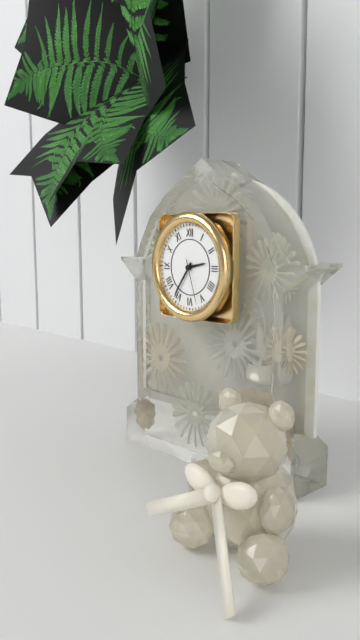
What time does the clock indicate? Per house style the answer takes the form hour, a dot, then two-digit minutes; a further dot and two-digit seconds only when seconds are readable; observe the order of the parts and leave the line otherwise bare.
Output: 2.36
